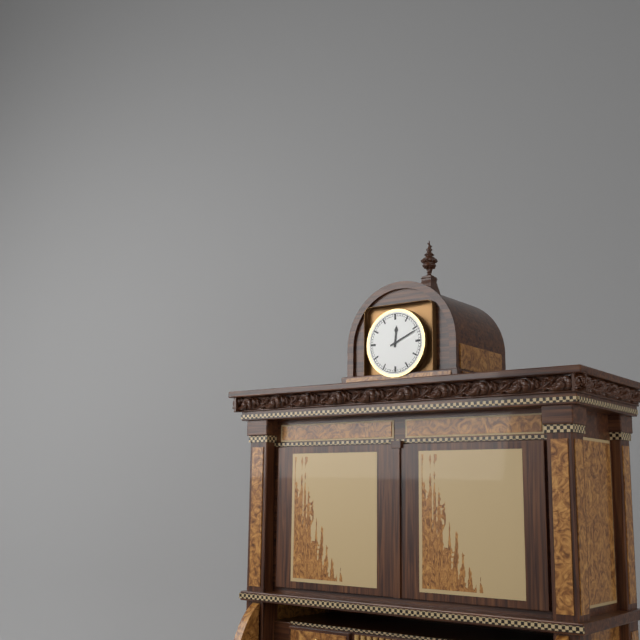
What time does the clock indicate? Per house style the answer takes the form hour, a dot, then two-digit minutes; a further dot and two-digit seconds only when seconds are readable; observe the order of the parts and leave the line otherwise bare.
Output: 12.11
